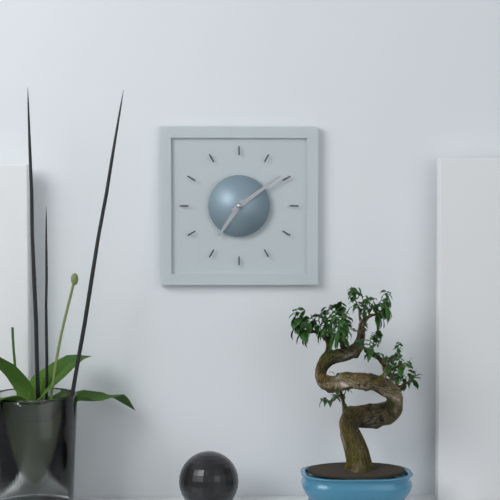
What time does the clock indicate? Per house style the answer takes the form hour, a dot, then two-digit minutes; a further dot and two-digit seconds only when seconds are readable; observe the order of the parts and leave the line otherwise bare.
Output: 7.09
